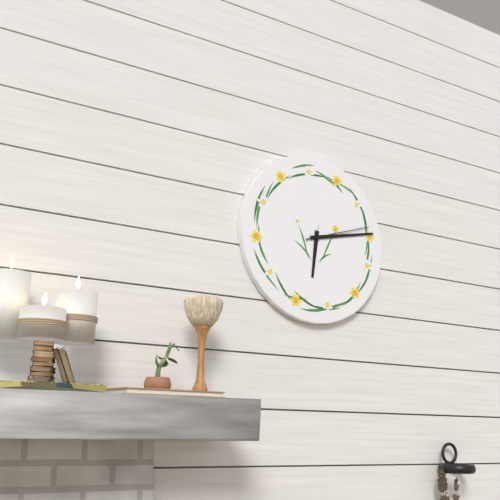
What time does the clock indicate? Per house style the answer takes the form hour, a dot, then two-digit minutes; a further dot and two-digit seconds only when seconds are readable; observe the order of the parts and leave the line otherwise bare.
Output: 6.13.12
